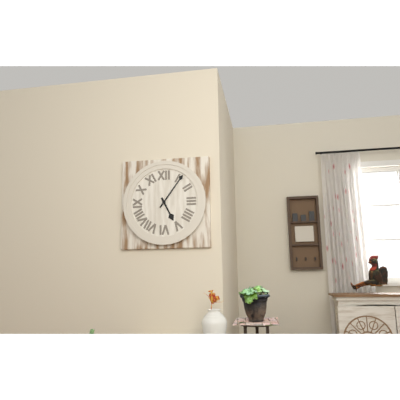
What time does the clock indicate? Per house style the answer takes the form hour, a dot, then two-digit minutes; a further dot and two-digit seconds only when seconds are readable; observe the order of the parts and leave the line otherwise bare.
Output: 5.06
